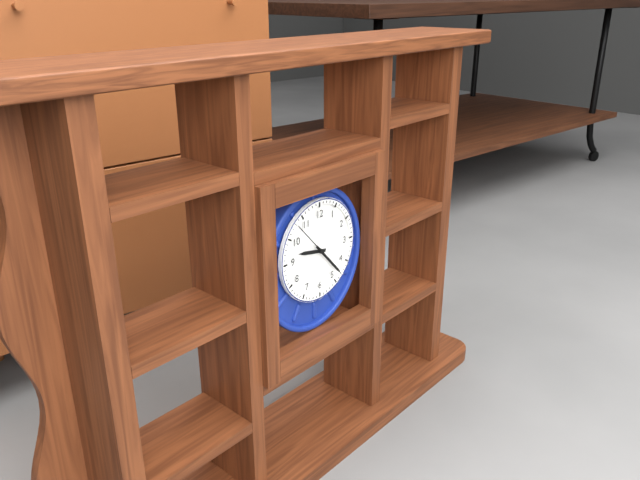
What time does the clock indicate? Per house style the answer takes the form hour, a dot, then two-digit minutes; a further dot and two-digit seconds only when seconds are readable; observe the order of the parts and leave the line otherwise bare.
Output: 9.23
